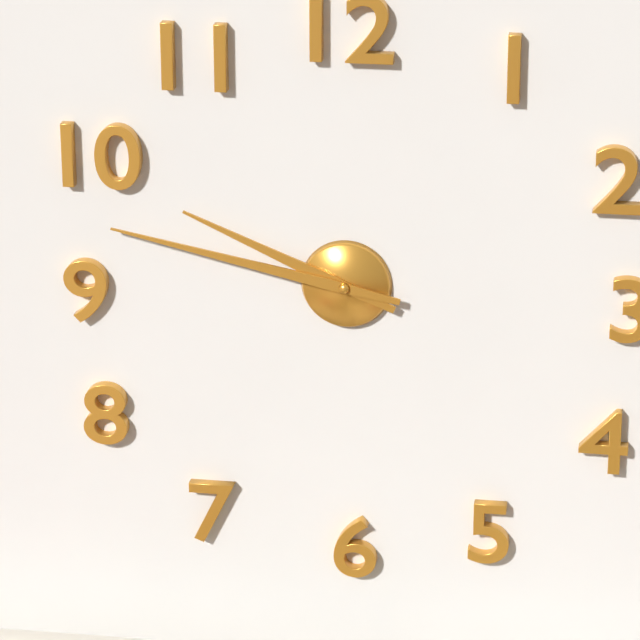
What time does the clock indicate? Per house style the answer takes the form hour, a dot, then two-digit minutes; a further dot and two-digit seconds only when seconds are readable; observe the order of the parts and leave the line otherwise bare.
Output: 9.47
